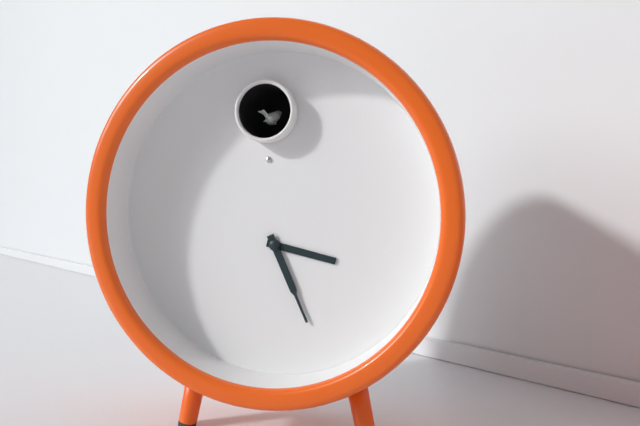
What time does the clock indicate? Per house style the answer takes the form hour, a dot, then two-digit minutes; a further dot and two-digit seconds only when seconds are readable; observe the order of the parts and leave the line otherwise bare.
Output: 3.26
